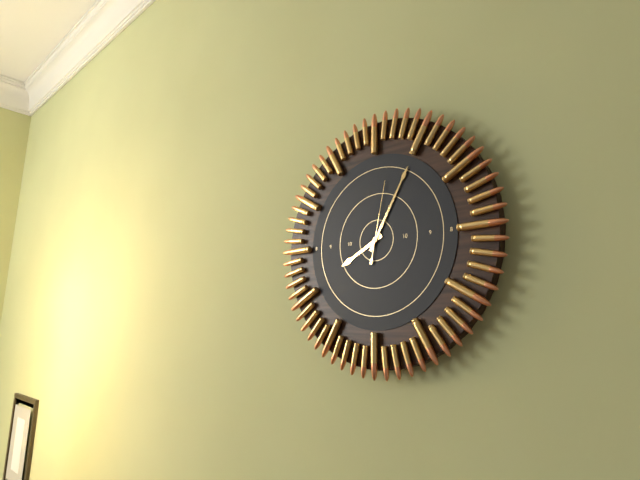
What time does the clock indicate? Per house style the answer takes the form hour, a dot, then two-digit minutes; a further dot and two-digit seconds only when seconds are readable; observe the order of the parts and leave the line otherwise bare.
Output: 8.05.02
